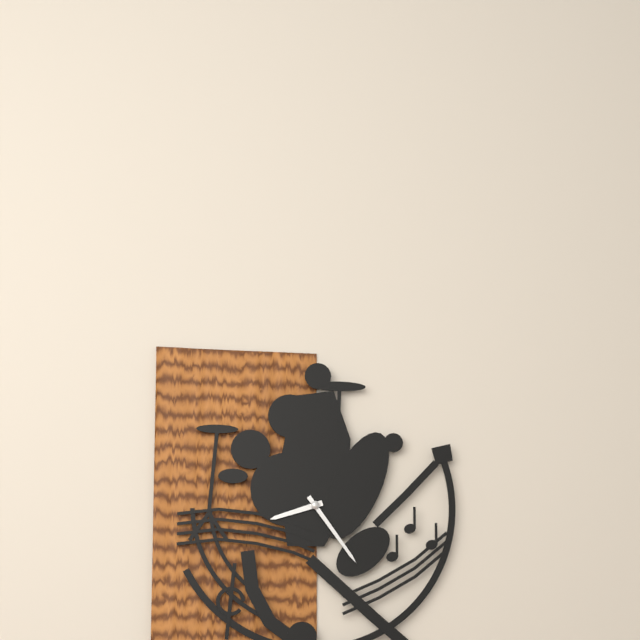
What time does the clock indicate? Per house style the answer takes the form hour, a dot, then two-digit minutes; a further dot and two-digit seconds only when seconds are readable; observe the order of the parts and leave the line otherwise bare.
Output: 8.24
